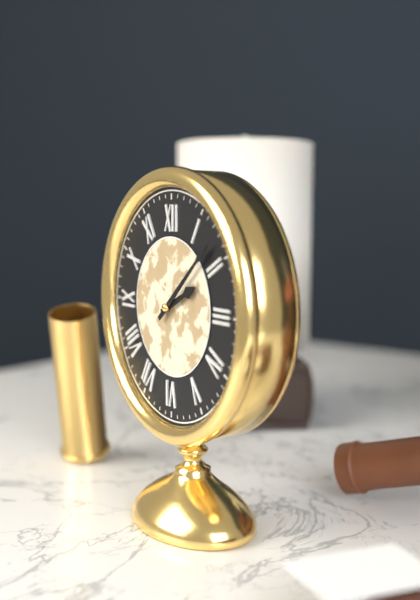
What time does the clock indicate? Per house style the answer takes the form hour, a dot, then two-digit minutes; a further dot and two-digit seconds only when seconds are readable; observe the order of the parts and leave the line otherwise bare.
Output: 2.08
